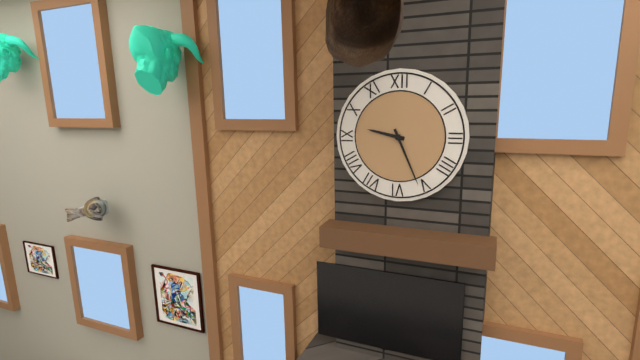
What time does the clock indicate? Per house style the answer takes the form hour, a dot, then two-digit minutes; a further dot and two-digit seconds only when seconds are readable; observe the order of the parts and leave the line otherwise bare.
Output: 9.26
